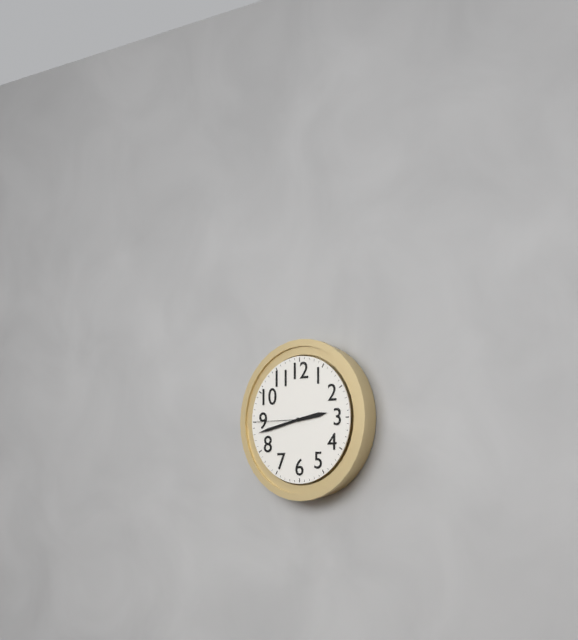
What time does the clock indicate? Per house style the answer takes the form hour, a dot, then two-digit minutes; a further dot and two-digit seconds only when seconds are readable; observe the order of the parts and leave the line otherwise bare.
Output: 2.43.45
